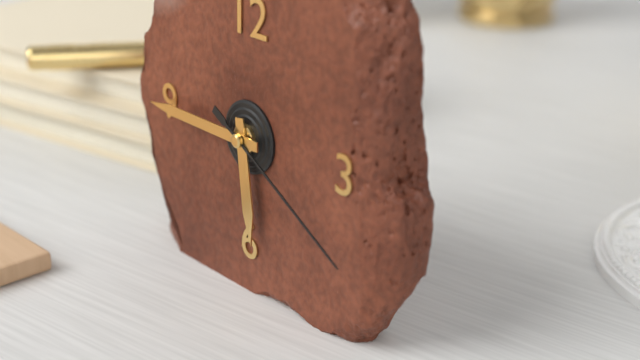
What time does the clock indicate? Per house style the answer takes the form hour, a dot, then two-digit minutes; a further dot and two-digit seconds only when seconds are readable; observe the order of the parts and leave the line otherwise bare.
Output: 5.45.20
